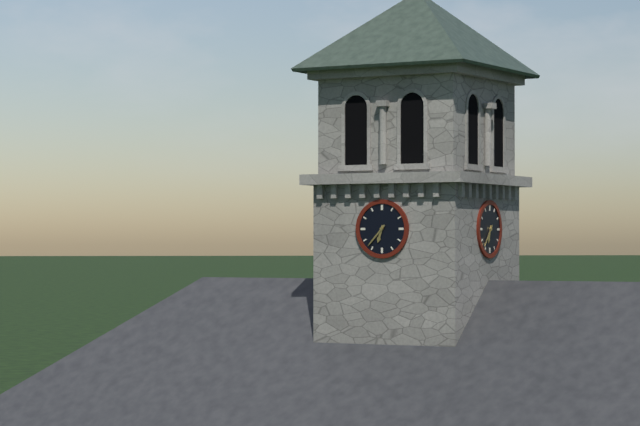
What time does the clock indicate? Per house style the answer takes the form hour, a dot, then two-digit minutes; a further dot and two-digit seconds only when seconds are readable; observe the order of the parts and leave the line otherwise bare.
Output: 6.37
